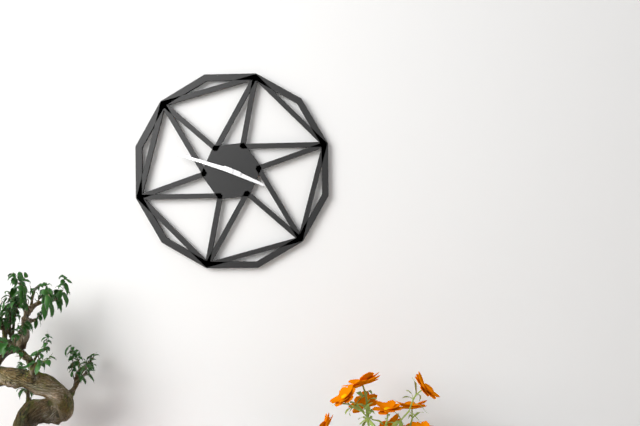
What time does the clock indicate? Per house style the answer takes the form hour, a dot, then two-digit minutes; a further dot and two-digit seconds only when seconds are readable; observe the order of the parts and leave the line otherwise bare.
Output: 3.48
